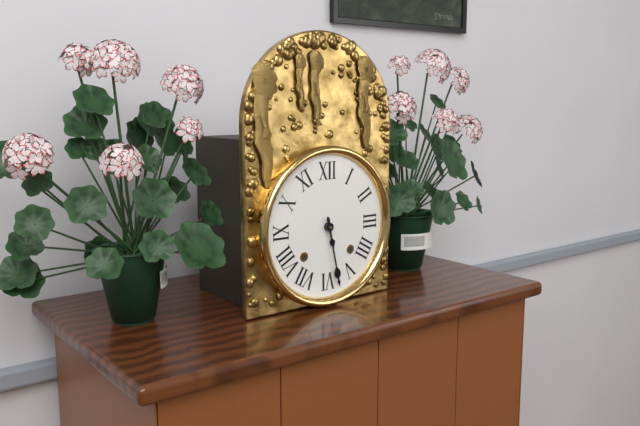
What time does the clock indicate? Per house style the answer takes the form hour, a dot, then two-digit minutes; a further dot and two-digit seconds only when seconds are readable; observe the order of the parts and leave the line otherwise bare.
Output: 5.28
